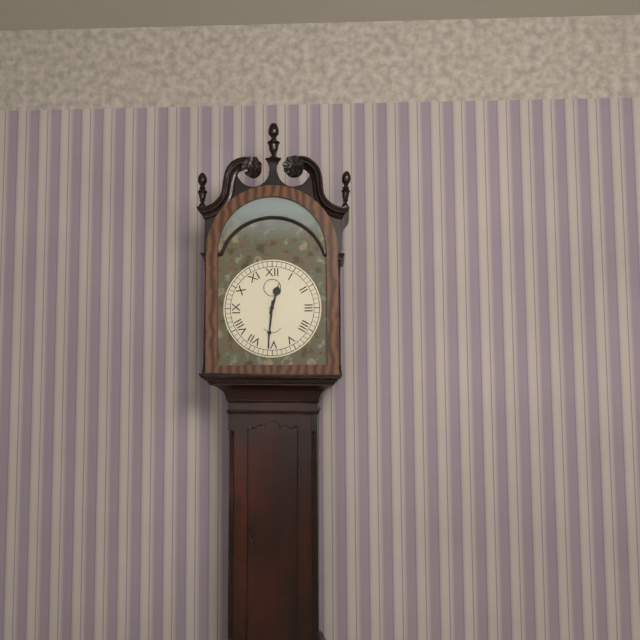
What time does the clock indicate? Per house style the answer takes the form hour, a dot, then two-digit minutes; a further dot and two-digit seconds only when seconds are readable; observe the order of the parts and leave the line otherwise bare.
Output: 12.31
